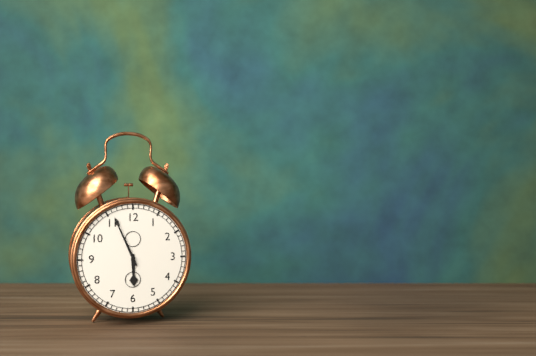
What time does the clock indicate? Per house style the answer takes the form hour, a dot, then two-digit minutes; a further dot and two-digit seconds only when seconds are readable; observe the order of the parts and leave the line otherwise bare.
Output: 5.56
